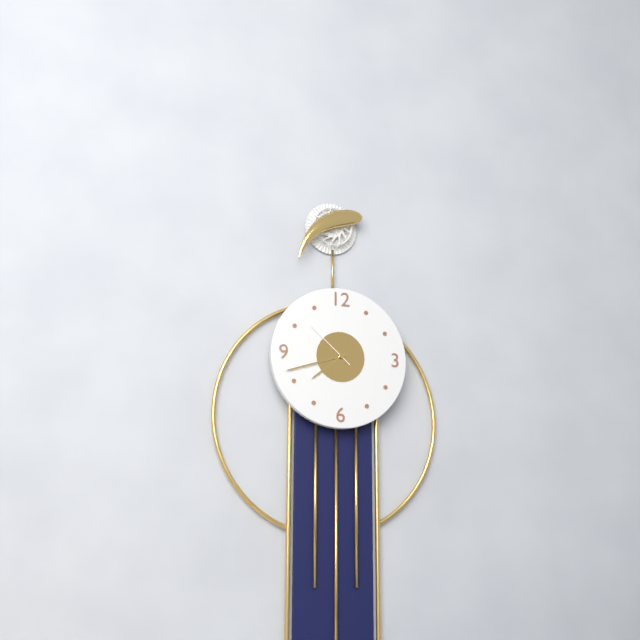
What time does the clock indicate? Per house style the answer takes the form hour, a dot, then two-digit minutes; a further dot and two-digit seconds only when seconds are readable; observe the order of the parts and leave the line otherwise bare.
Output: 7.42.52
